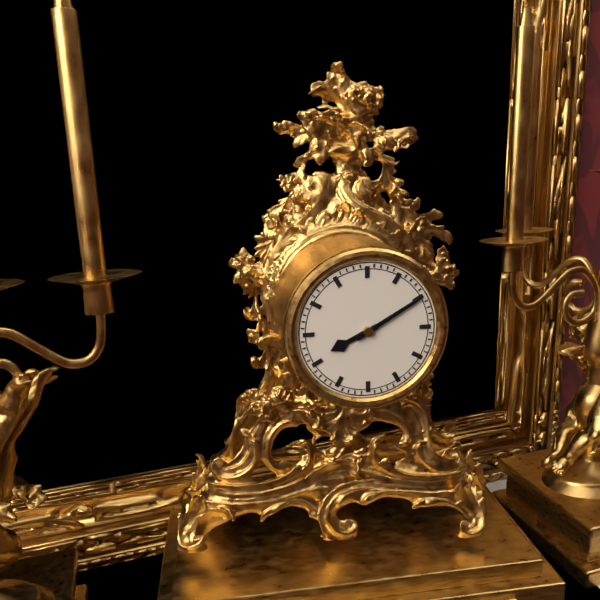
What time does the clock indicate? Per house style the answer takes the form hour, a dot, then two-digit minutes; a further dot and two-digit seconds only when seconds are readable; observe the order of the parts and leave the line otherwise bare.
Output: 8.10
